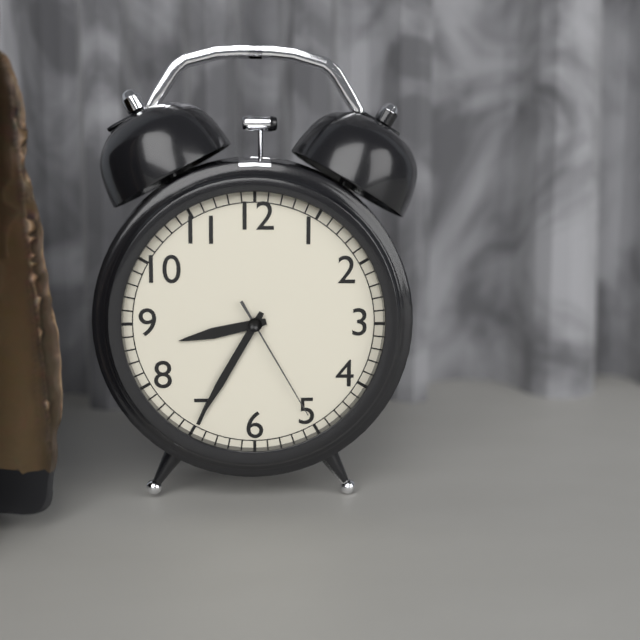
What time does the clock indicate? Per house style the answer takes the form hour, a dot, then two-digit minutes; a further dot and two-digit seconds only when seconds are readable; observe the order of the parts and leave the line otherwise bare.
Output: 8.35.25
